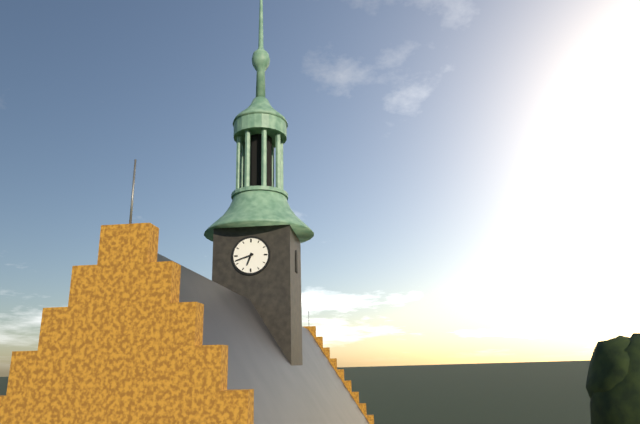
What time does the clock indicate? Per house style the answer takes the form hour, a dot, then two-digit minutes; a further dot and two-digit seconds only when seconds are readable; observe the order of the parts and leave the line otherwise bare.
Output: 6.42
